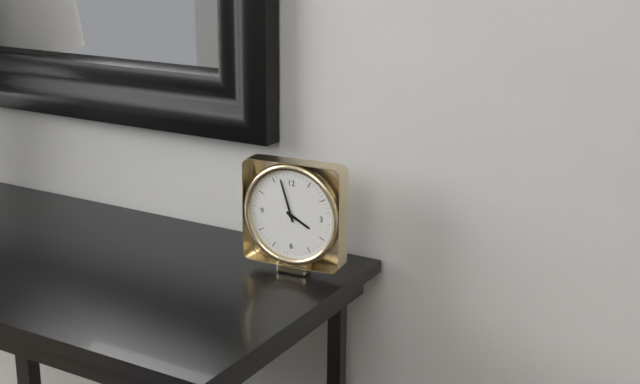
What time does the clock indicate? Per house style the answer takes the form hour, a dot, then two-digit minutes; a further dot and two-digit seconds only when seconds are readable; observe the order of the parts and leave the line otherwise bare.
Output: 3.57
